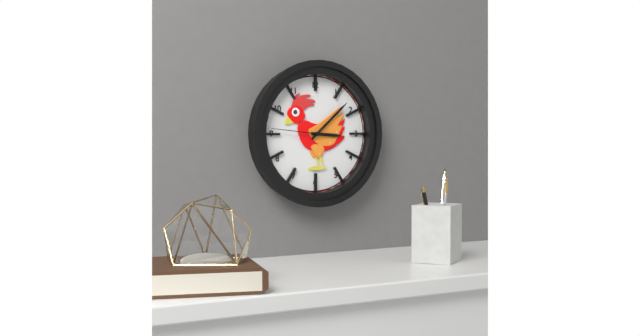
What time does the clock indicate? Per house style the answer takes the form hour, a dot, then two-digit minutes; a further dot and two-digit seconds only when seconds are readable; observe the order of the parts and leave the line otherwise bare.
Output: 3.08.46
